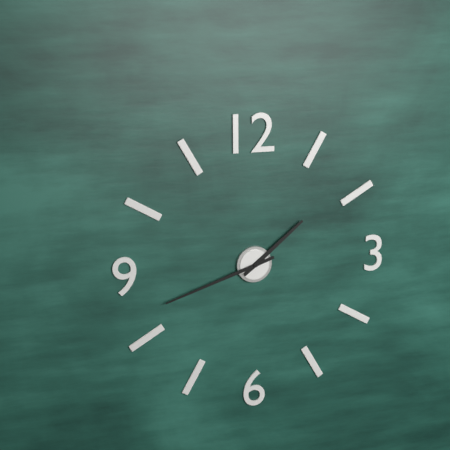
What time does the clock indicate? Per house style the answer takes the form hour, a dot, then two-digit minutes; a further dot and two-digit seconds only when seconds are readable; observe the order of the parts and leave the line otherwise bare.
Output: 1.42
